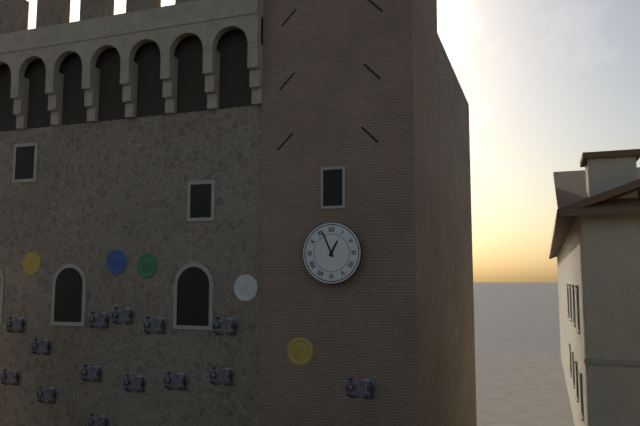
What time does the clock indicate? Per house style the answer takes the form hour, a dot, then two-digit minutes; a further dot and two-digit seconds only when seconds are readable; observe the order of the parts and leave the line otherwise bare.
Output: 12.56
